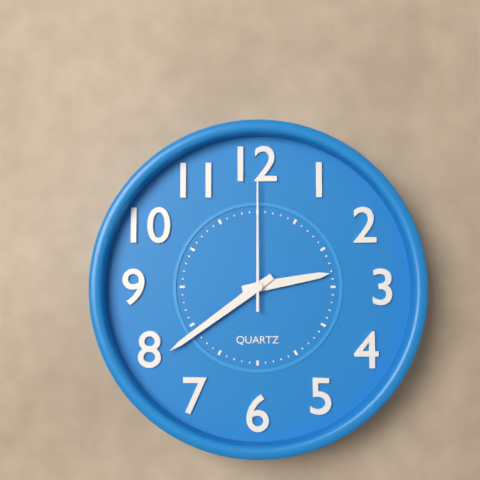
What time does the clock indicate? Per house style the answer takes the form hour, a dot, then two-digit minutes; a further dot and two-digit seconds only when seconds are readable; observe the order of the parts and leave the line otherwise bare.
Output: 2.39.00
